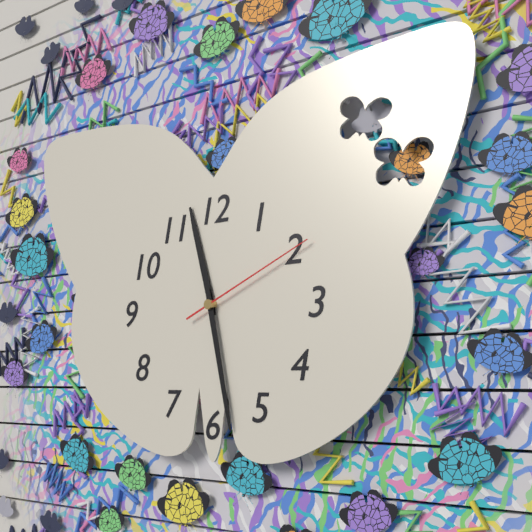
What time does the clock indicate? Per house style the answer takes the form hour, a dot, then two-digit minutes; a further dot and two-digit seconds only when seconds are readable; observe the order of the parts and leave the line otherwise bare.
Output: 11.28.11
